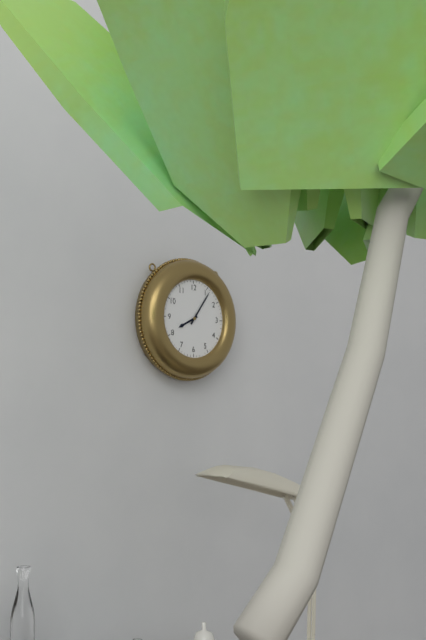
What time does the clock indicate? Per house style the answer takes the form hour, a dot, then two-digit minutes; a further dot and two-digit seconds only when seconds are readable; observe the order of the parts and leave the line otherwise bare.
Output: 8.06
